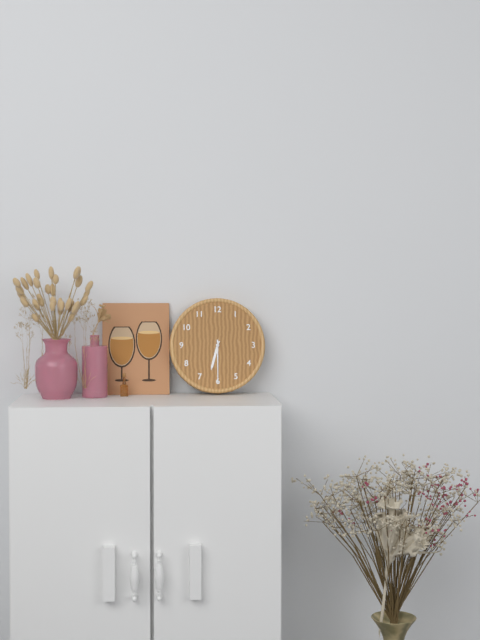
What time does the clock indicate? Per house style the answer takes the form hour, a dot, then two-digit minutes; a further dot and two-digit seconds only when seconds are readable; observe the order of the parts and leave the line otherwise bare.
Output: 6.30
